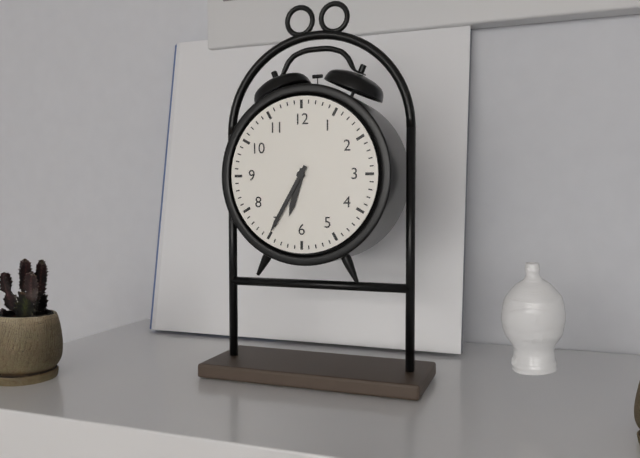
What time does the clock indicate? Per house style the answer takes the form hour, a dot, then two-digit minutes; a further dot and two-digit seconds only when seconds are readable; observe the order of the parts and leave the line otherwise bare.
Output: 6.35
